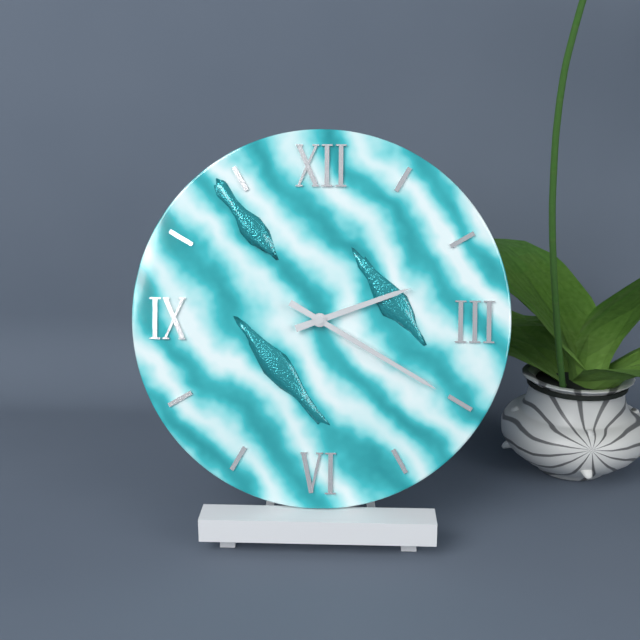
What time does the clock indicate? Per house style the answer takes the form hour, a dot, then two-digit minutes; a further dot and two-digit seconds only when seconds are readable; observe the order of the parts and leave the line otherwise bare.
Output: 2.20
